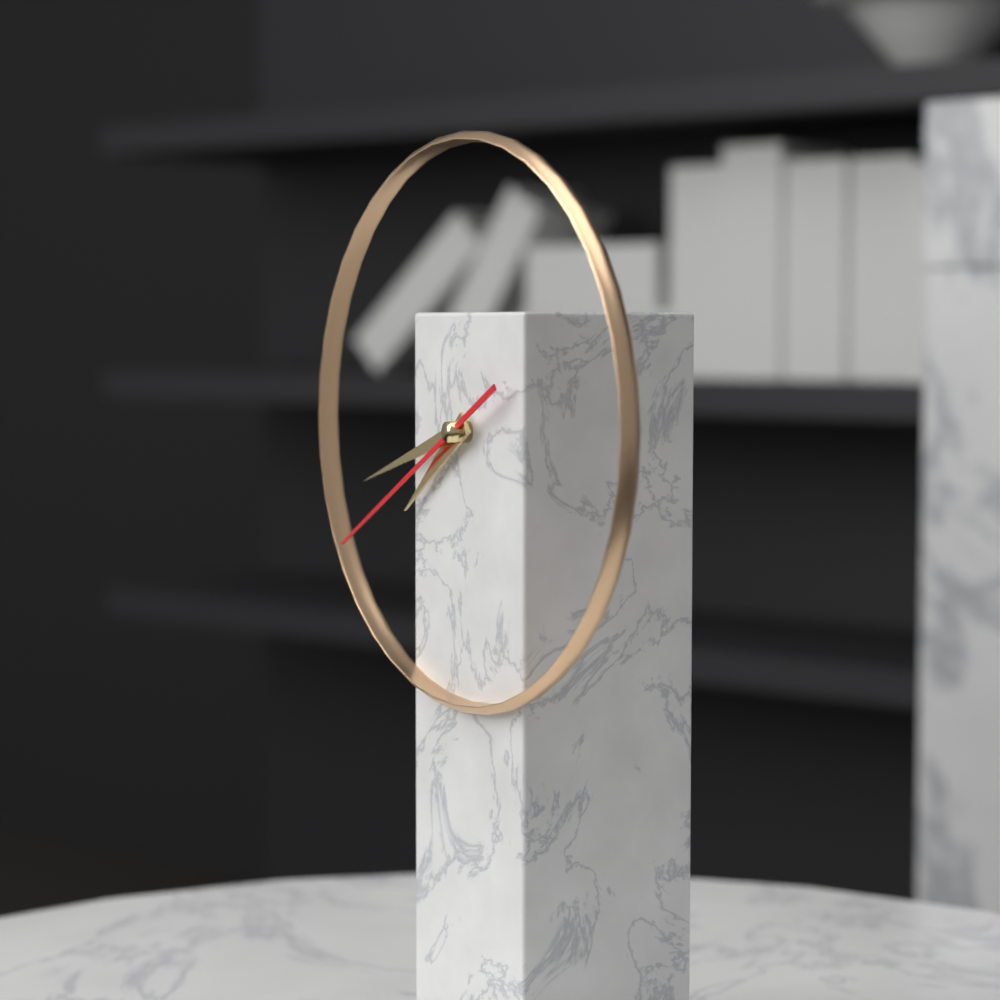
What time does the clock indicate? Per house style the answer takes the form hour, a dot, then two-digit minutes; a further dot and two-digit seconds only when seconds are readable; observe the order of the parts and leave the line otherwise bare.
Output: 7.42.40
